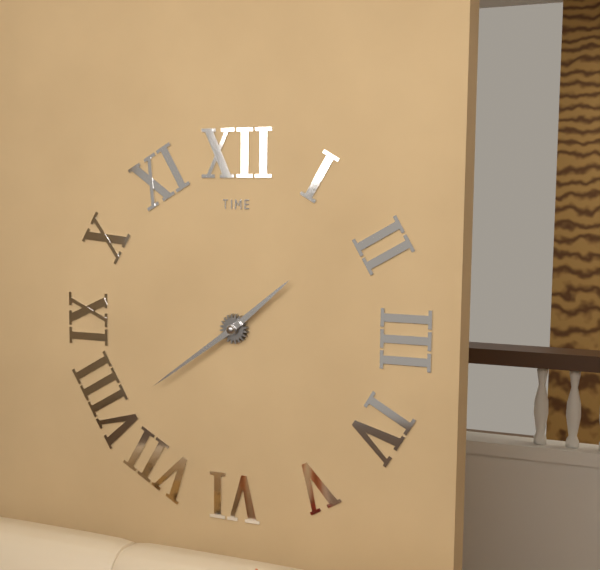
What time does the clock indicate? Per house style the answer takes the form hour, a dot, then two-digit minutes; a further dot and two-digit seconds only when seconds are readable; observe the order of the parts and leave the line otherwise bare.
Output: 1.39
